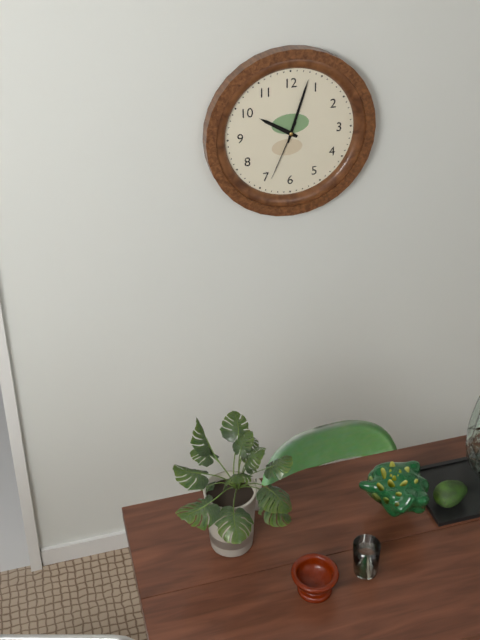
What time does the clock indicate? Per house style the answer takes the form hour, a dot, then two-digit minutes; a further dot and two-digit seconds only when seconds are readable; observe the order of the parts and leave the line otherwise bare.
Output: 10.03.34
